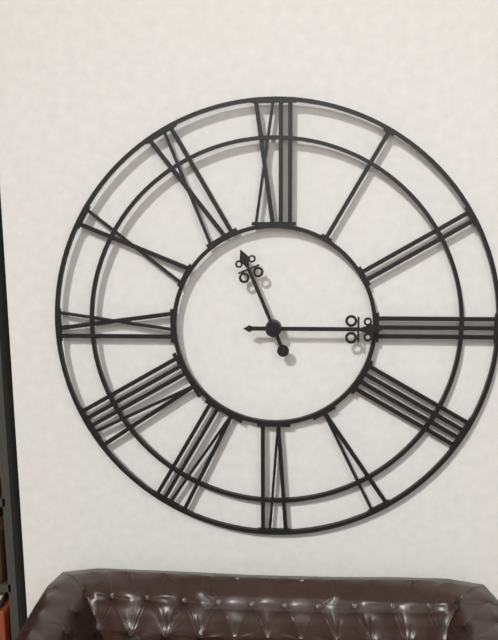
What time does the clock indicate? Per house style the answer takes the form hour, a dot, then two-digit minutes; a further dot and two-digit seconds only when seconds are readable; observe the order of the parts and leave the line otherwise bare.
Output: 11.15
